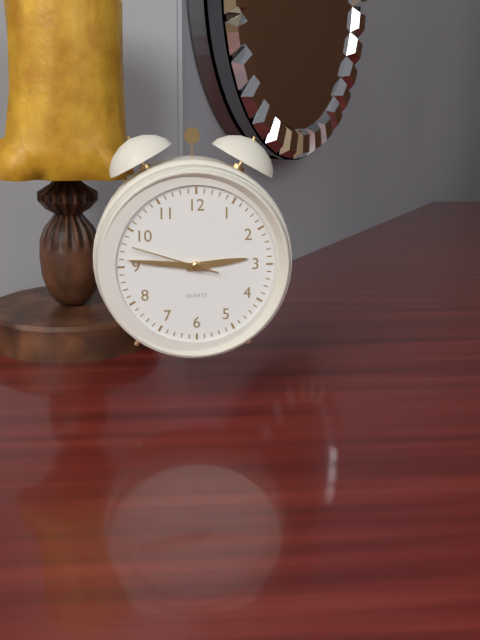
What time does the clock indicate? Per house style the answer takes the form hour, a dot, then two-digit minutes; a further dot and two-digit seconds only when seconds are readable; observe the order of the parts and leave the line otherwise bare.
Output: 2.46.48
